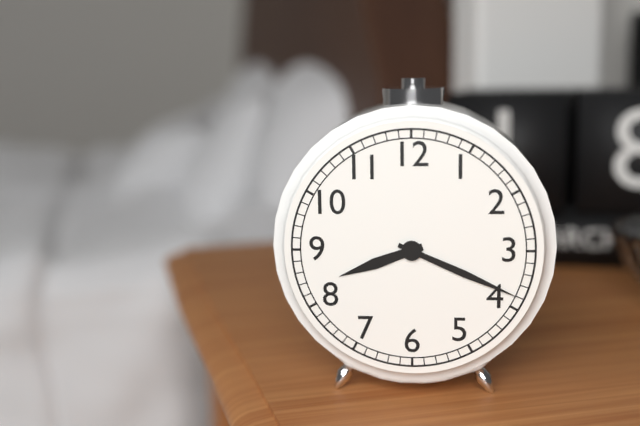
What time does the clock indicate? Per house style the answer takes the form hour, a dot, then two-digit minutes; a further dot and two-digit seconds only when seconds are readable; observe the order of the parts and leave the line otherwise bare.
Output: 8.19
